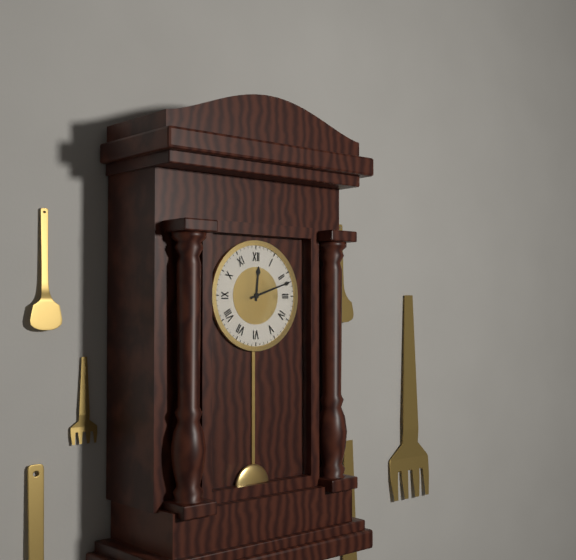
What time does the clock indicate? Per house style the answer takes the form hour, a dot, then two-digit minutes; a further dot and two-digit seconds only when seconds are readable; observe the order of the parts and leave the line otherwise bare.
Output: 12.12
